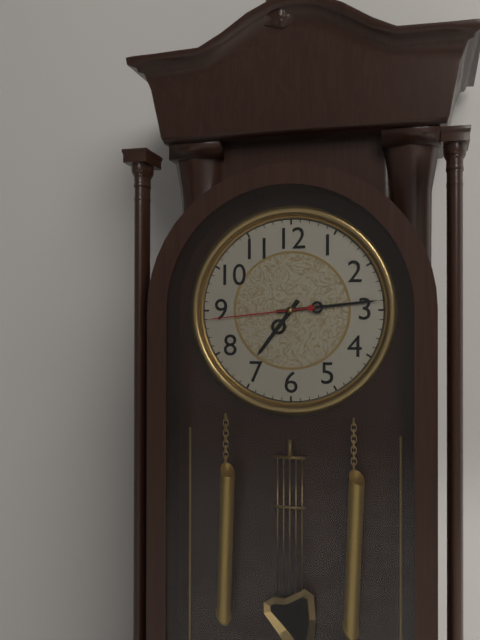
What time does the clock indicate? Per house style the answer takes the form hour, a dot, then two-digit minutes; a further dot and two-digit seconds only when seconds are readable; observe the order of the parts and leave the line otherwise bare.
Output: 7.14.44
